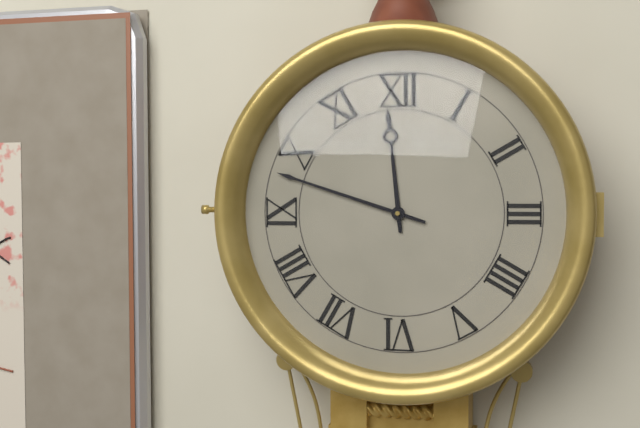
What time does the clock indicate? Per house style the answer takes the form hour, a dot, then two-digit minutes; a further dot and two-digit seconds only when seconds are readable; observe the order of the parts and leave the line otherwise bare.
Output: 11.48
